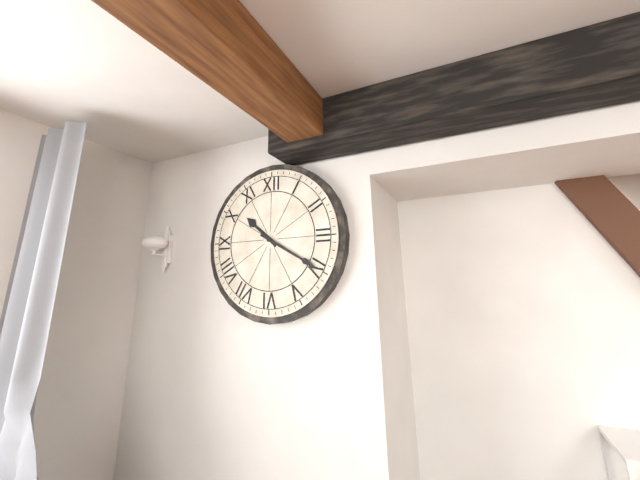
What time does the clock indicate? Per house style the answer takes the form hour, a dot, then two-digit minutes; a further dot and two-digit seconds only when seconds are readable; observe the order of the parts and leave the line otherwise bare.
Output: 10.20
